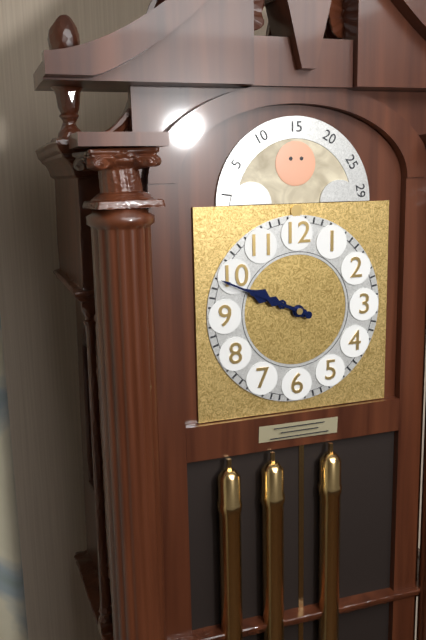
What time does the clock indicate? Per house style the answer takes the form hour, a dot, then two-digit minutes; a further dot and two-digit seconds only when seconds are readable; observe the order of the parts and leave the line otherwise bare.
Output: 9.49
